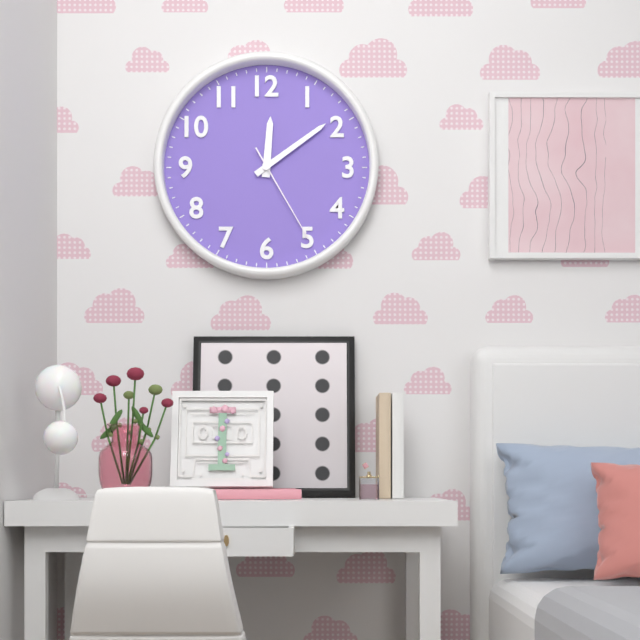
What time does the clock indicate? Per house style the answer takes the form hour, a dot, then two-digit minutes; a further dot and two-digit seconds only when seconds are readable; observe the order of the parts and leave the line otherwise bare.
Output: 12.09.25
